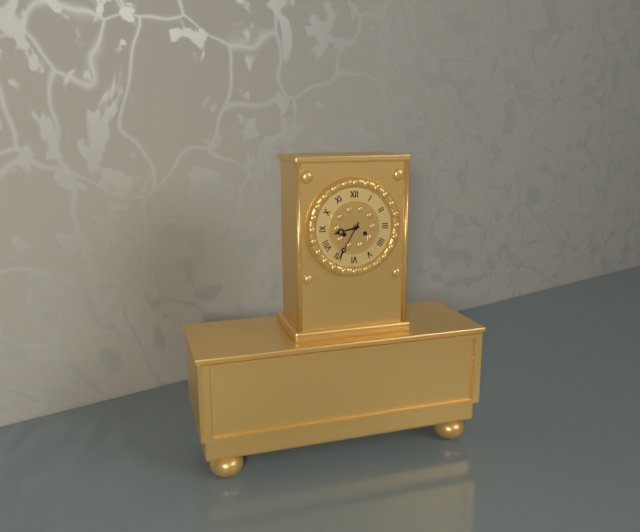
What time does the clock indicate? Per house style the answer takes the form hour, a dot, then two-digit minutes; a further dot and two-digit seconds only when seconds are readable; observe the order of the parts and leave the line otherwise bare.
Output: 8.35
